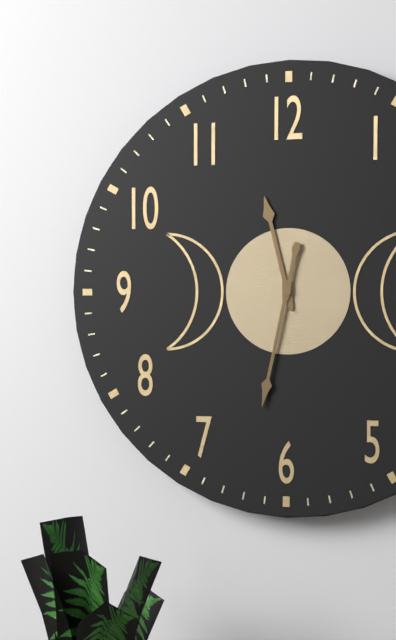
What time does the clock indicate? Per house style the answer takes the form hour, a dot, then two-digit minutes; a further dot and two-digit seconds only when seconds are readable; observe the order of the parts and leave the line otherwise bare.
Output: 11.32
